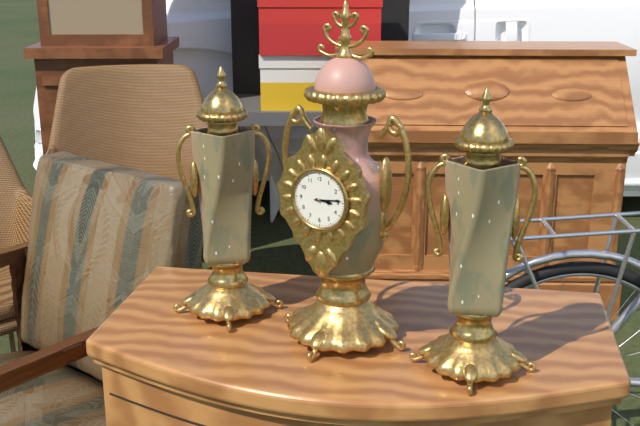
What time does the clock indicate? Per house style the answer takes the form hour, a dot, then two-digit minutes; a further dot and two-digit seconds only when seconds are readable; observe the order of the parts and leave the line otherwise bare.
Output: 3.14
